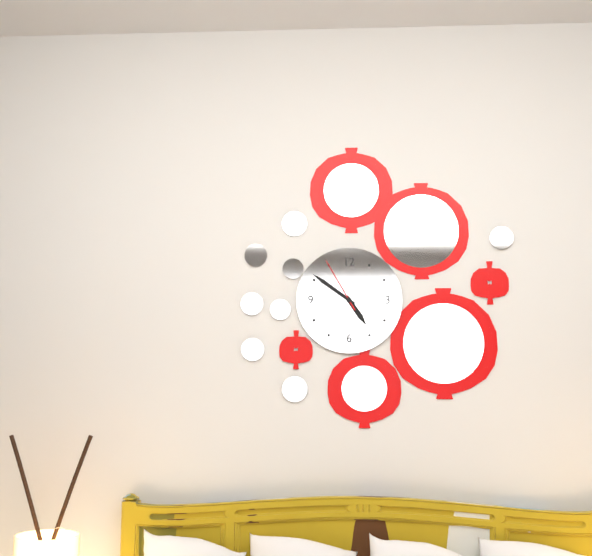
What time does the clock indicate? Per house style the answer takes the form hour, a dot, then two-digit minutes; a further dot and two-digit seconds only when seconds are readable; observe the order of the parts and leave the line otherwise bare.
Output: 4.51.55
